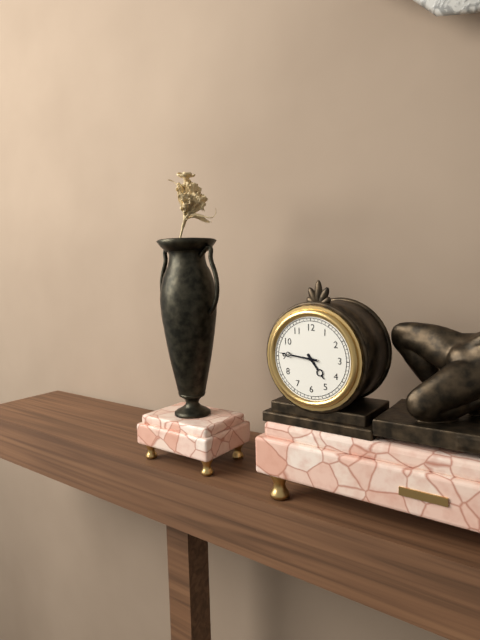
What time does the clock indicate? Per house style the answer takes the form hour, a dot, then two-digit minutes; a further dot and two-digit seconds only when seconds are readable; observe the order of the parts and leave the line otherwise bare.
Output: 4.46
